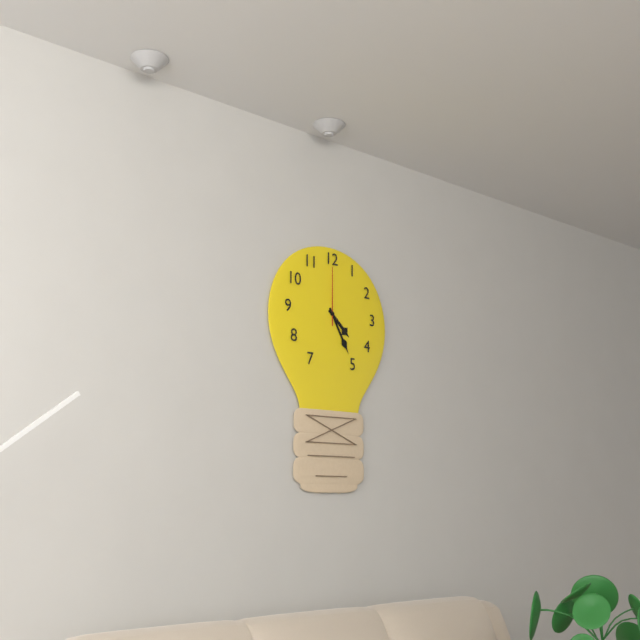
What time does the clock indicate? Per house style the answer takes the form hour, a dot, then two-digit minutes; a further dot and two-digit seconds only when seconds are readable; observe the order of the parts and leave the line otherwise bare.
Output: 4.25.00
